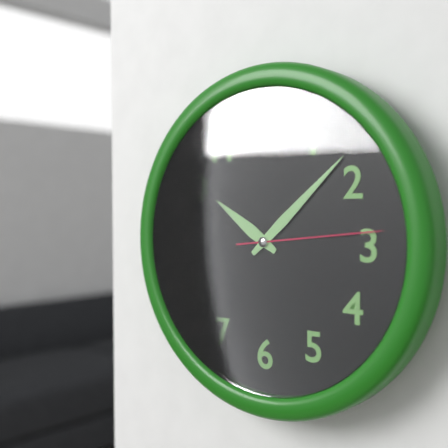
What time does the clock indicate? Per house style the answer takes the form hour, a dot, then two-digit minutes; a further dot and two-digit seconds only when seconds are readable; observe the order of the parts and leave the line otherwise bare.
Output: 10.08.14
